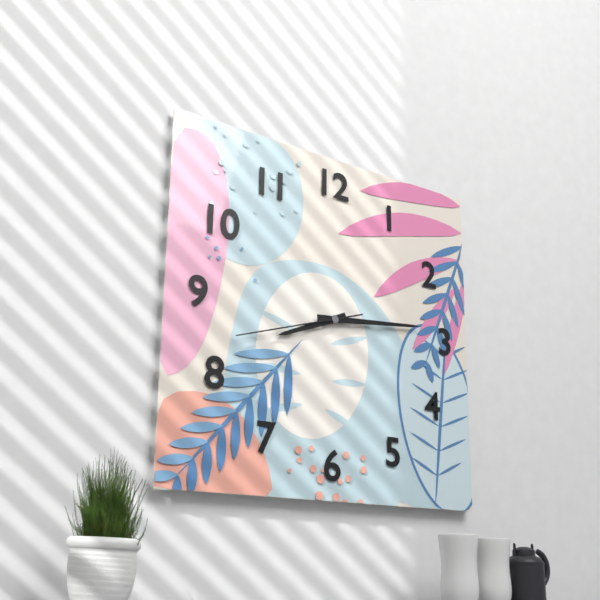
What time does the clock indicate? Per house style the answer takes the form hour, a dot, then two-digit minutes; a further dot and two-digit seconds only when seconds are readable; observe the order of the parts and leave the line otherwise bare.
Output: 8.14.42
